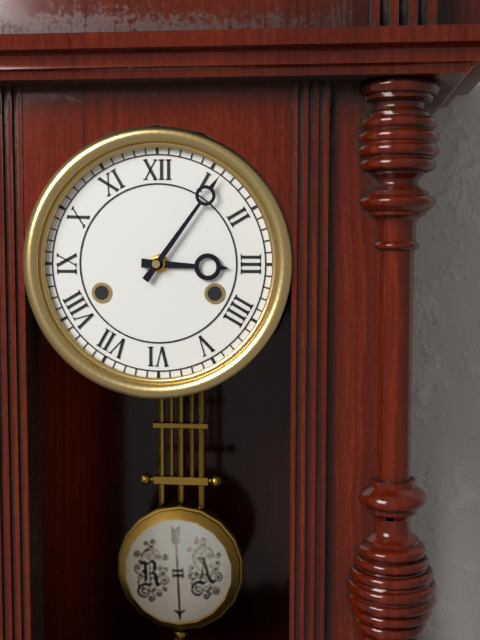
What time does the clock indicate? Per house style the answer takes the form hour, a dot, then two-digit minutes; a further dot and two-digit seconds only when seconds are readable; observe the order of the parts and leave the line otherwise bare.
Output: 3.06
